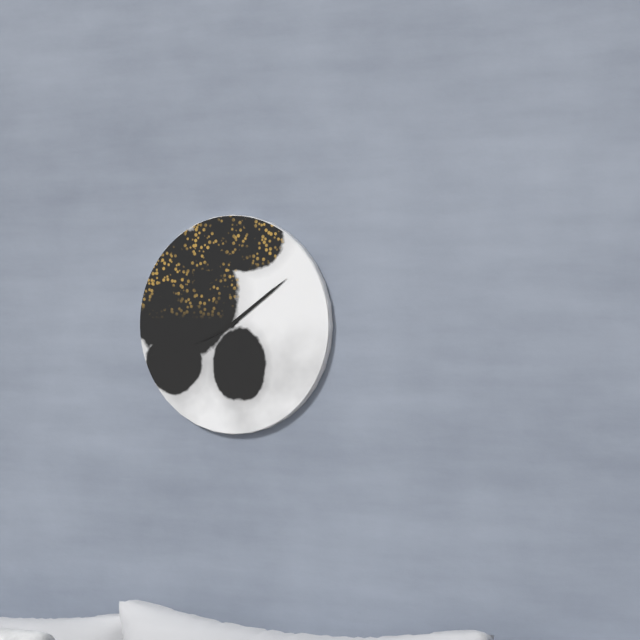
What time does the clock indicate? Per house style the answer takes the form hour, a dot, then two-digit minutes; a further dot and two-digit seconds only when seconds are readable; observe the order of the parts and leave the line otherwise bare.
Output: 8.09
